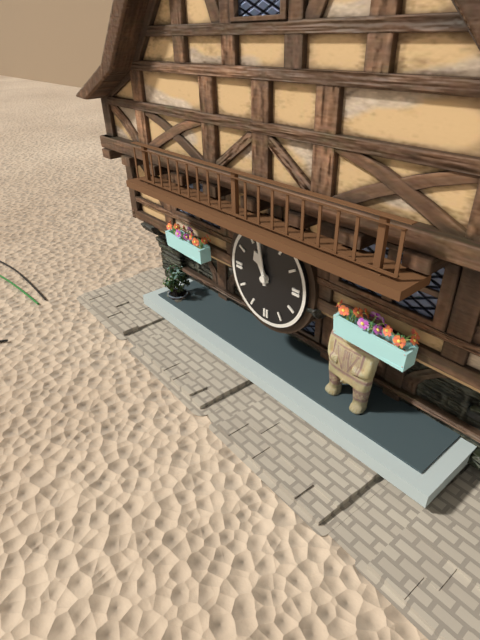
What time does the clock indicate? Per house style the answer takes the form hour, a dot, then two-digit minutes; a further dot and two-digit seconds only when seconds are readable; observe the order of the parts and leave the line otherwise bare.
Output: 10.58
